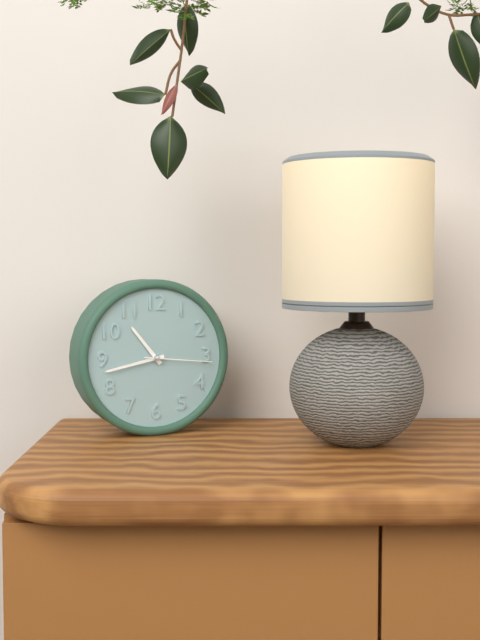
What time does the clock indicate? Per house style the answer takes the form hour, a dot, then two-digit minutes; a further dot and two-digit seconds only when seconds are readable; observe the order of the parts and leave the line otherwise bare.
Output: 10.43.16
